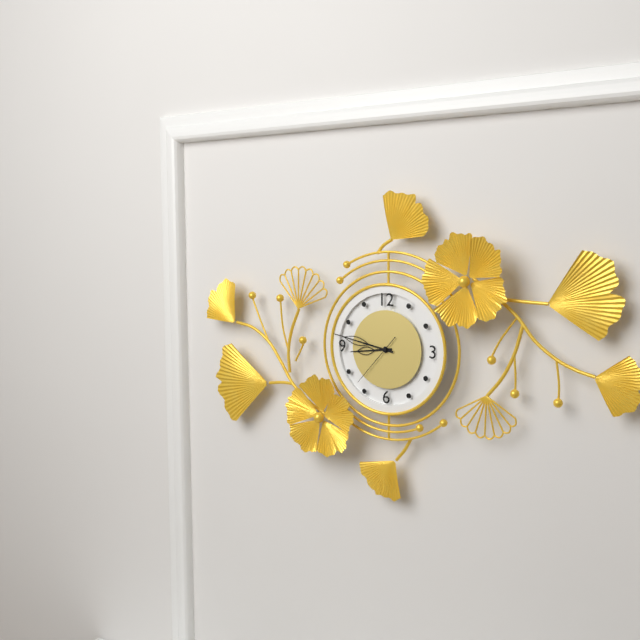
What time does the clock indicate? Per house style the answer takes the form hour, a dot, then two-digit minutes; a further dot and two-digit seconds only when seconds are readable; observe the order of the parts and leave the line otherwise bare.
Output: 8.47.37
